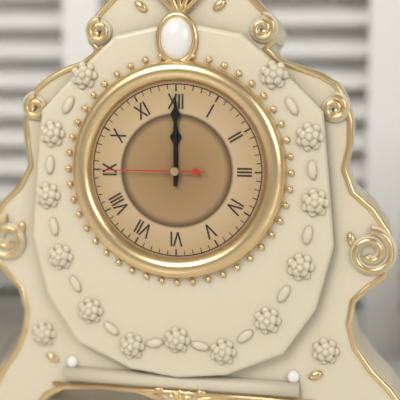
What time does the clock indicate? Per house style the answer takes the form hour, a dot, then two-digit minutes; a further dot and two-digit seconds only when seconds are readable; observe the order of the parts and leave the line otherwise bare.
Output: 12.00.45
